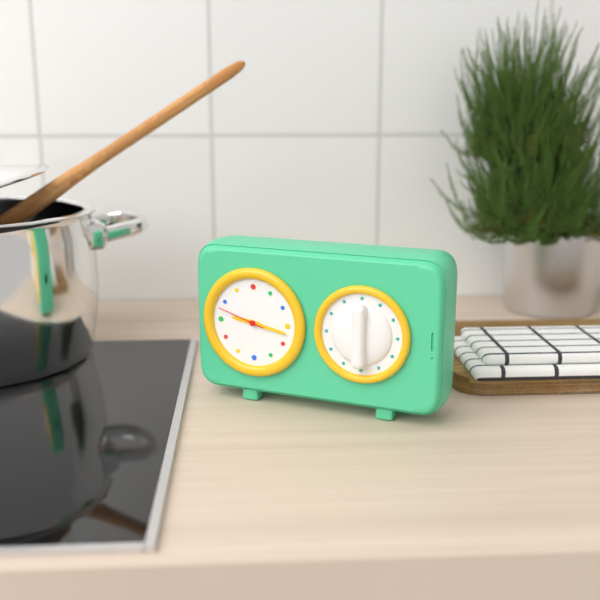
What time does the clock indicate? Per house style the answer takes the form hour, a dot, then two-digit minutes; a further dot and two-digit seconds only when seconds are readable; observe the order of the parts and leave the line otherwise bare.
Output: 9.17
